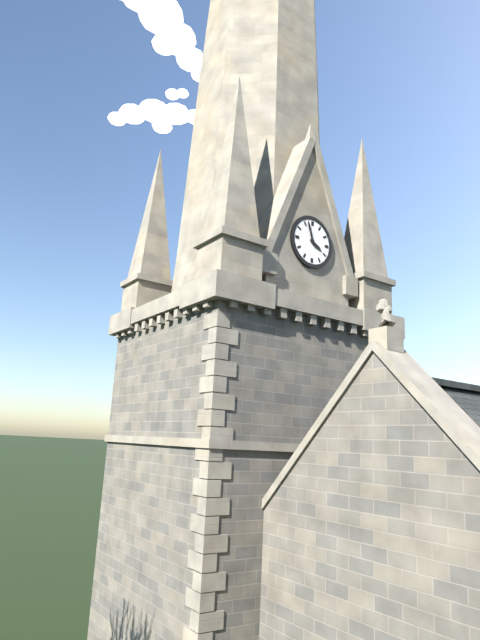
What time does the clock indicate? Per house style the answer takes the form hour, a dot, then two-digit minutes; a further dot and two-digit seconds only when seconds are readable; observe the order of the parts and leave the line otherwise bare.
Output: 3.57
